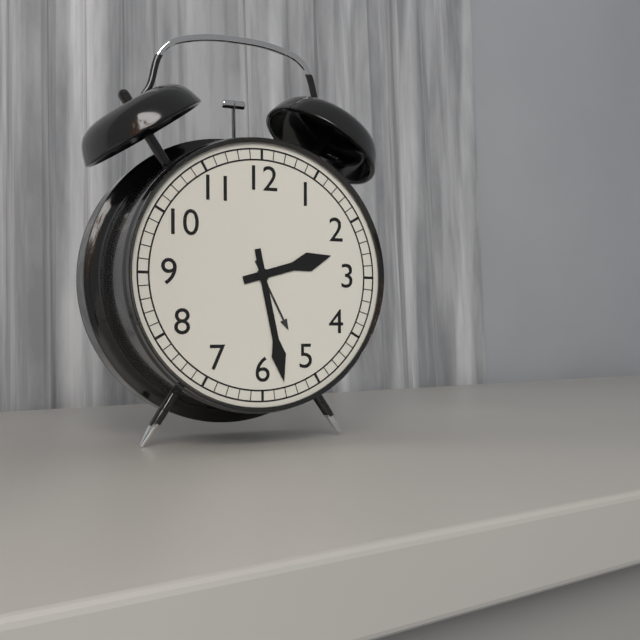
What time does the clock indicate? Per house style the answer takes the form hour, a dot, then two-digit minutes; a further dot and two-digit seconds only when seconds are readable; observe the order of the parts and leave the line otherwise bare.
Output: 2.28
